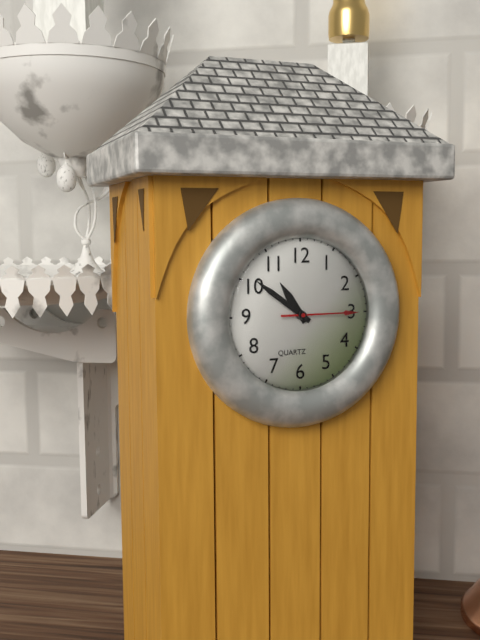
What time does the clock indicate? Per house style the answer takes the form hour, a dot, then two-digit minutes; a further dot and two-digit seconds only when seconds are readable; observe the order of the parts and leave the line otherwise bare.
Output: 10.51.15
